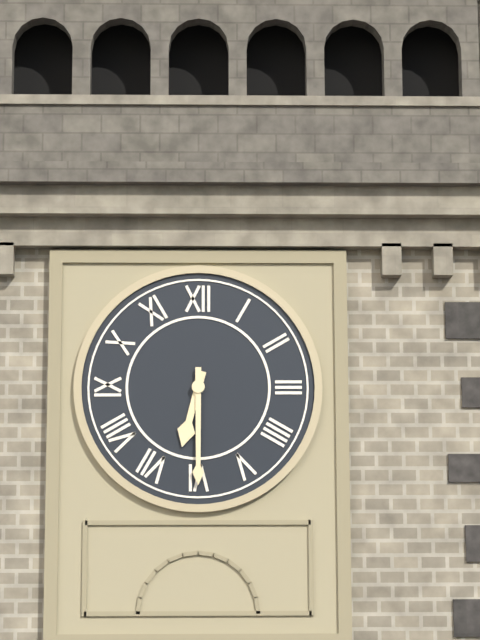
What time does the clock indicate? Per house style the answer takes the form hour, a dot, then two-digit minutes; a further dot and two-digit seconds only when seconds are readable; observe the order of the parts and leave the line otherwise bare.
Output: 6.30
